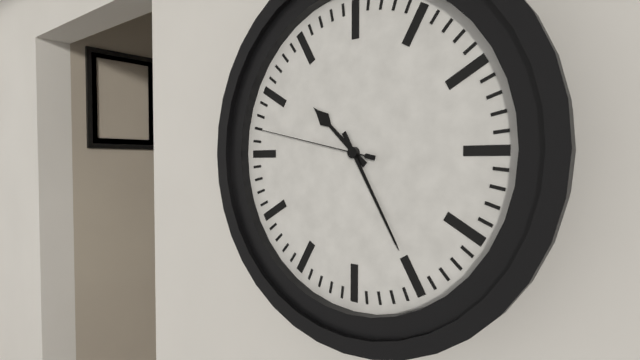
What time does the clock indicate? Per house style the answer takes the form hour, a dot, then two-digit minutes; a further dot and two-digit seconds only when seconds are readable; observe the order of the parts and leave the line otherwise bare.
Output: 10.25.47
